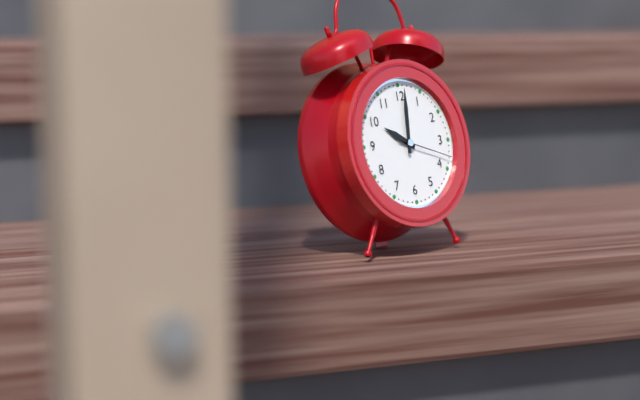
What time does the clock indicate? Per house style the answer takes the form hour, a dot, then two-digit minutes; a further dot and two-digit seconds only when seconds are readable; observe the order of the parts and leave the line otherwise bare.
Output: 10.01.18
